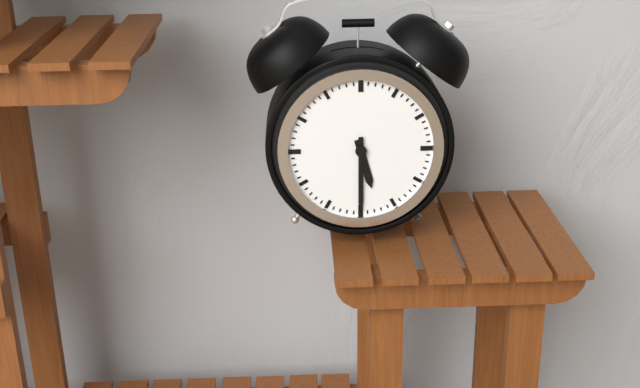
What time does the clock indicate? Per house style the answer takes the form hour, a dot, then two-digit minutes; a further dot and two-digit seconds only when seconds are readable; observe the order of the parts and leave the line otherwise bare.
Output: 5.30
